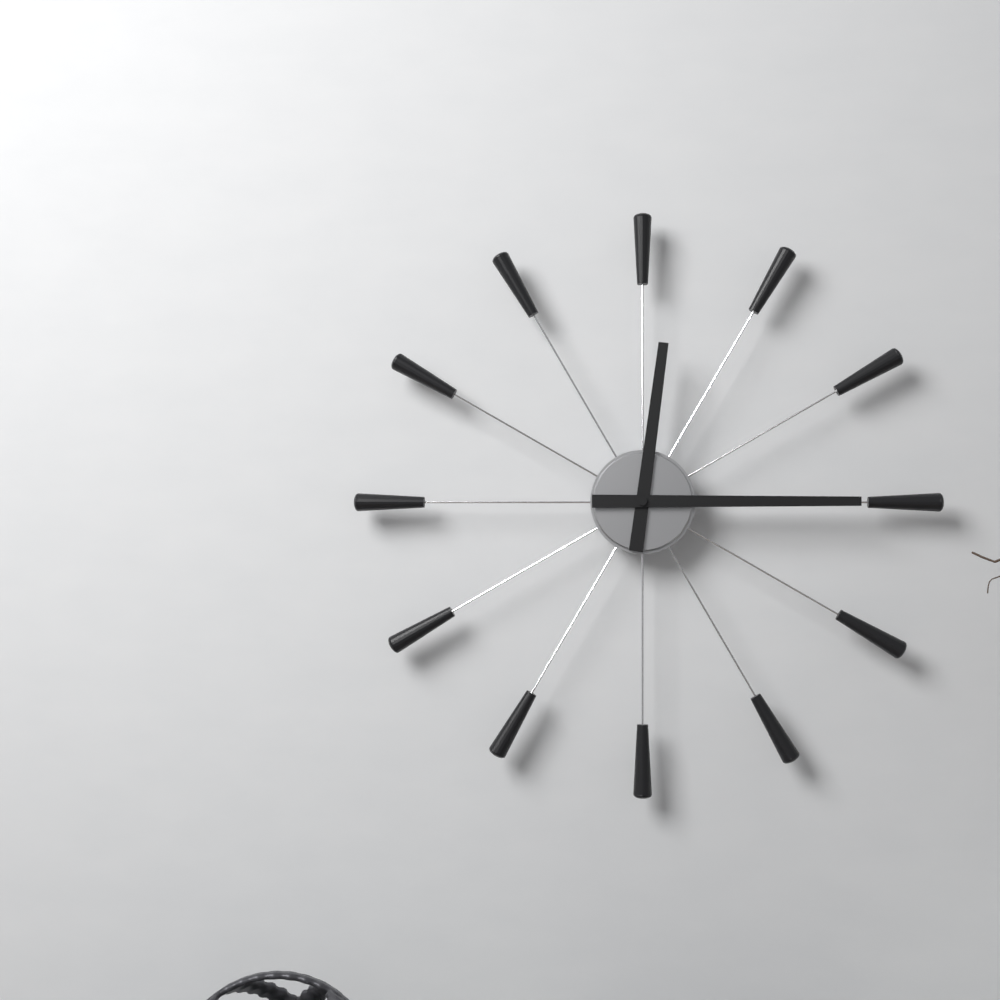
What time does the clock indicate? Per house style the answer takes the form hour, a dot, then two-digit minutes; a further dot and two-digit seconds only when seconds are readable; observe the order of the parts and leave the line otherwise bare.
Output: 12.15
